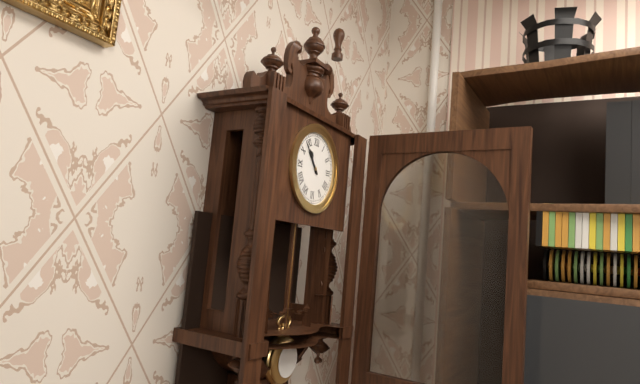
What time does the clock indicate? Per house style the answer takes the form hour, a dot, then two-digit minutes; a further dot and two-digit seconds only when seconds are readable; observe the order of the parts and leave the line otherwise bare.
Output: 10.53
